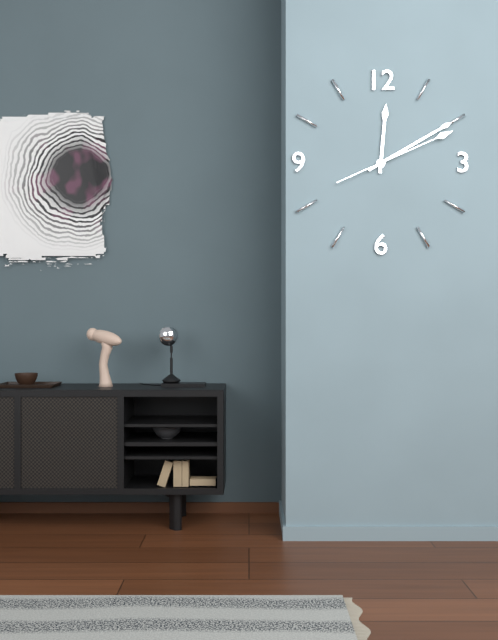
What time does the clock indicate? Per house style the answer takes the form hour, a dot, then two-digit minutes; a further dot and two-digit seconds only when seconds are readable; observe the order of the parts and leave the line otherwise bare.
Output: 12.10.11
